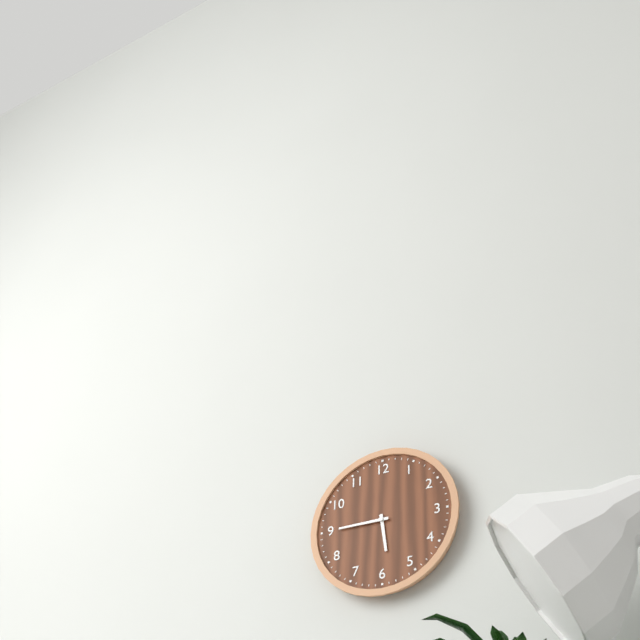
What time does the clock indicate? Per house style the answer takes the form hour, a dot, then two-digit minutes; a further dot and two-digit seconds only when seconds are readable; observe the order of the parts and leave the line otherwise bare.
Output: 5.45
